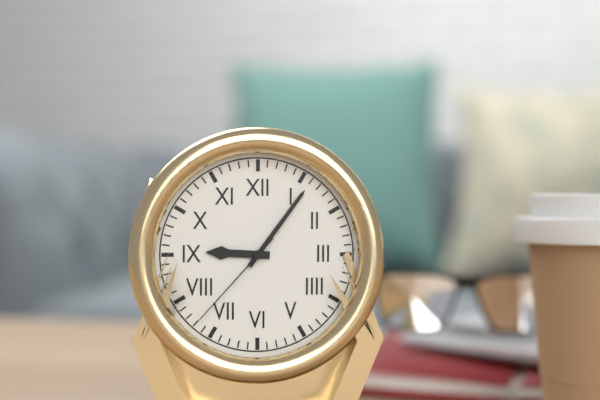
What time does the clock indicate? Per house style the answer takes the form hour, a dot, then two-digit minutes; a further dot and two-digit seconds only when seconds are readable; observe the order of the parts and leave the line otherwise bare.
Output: 9.06.37
